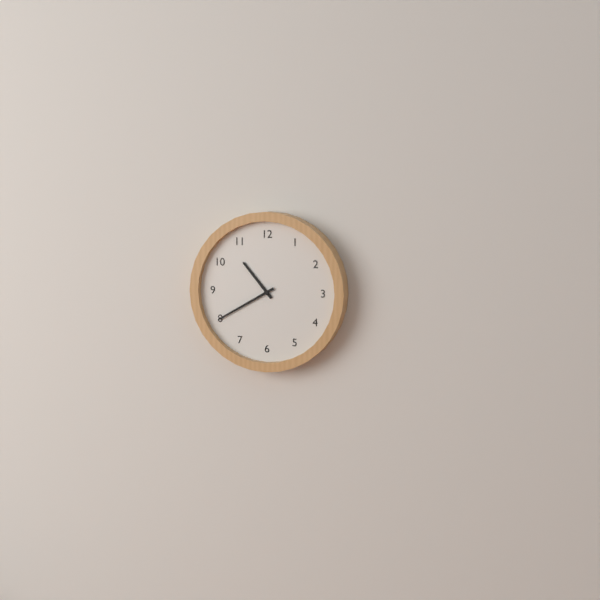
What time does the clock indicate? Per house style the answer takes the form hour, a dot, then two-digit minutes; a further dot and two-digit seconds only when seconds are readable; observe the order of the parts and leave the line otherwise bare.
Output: 10.40
